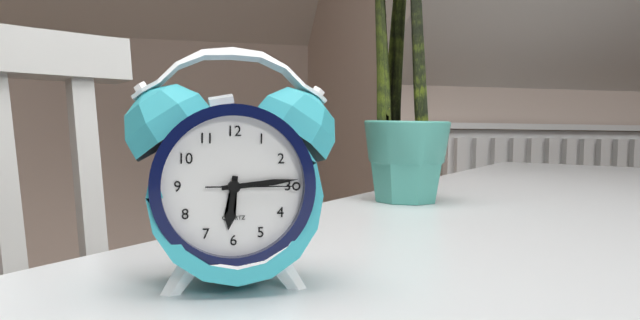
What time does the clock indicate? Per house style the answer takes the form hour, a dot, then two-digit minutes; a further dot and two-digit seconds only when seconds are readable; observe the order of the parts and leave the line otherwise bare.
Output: 6.14.15
